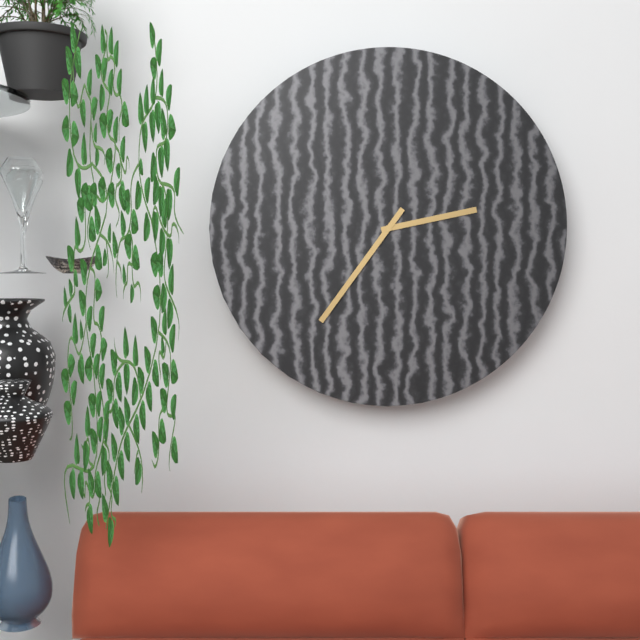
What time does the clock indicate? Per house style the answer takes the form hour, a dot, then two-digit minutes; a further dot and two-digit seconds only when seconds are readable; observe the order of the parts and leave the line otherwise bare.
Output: 2.36
